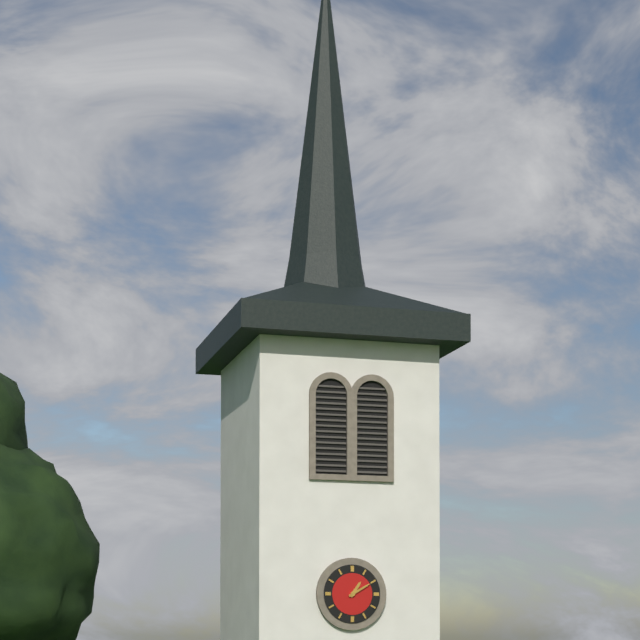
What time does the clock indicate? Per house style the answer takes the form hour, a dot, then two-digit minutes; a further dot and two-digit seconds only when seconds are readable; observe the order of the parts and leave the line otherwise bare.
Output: 1.10
